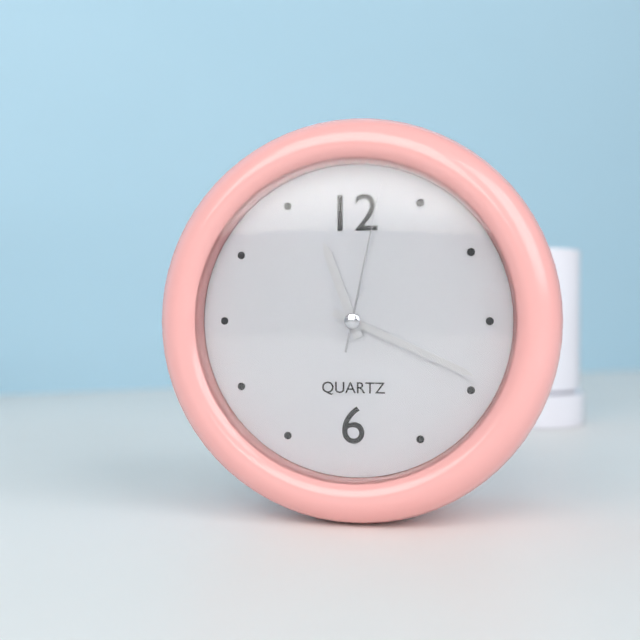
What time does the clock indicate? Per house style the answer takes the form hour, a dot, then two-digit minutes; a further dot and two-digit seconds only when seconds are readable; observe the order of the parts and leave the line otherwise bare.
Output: 11.19.02
